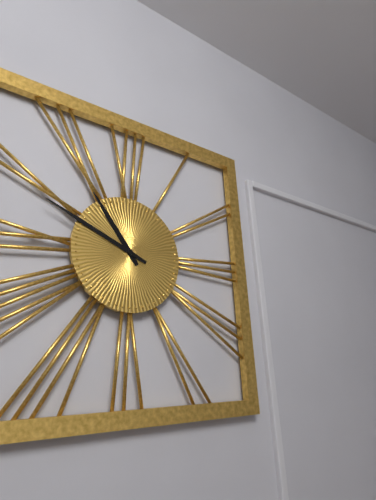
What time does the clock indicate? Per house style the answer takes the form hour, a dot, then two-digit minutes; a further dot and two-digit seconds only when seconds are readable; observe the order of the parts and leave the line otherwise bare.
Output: 10.49
